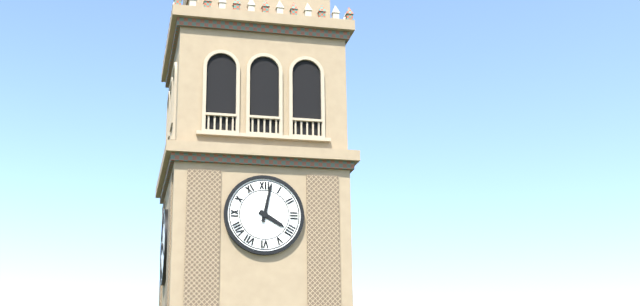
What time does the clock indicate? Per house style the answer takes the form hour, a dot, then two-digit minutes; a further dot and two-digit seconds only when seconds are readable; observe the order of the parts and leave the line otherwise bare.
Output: 4.02
